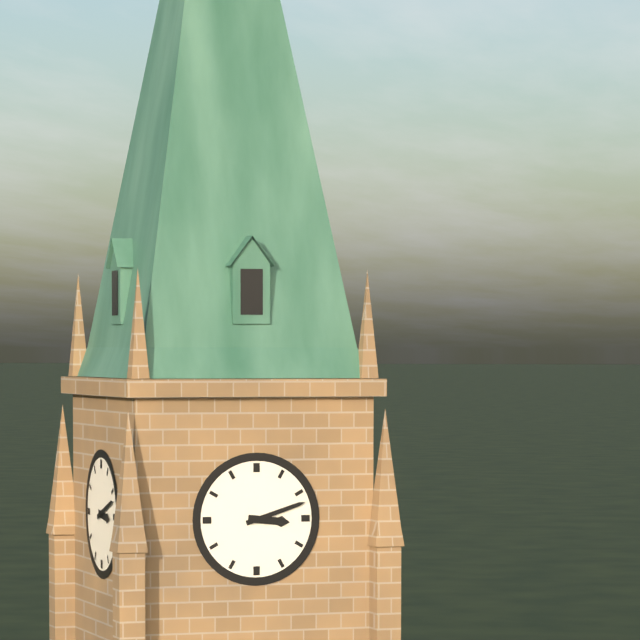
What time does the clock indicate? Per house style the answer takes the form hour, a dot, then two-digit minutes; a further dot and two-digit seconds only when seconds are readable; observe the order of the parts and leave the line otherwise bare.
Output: 3.12
